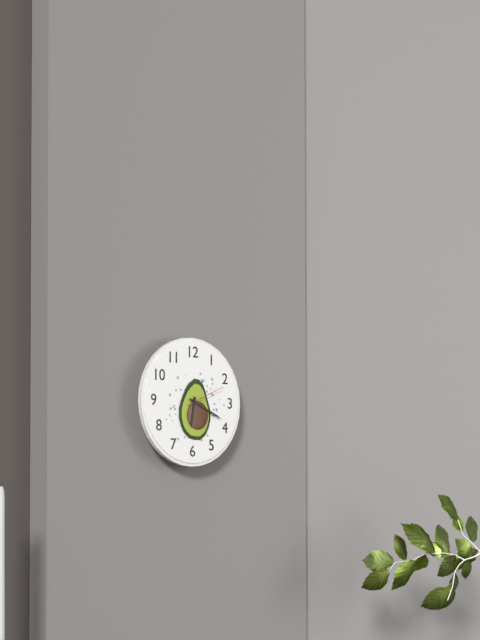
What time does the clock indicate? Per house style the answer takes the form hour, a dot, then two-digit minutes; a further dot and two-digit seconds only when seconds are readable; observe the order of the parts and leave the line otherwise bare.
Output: 6.19
